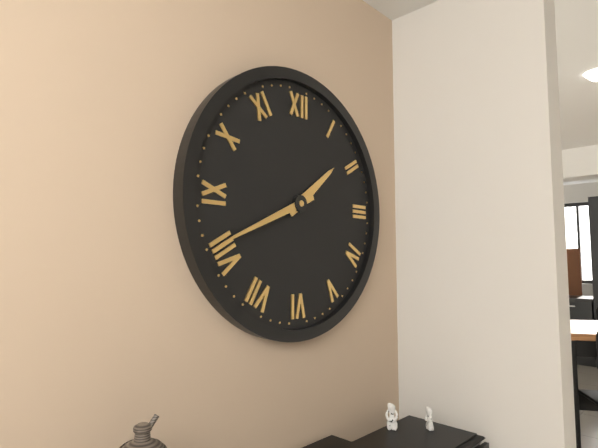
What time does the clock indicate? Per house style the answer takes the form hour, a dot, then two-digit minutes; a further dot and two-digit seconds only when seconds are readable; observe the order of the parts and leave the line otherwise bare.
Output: 1.41
